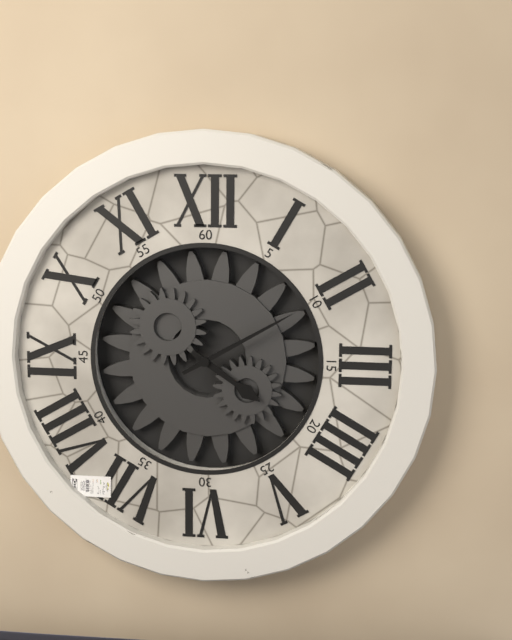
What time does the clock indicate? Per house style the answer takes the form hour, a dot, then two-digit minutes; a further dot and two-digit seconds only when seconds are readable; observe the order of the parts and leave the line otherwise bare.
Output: 4.10
